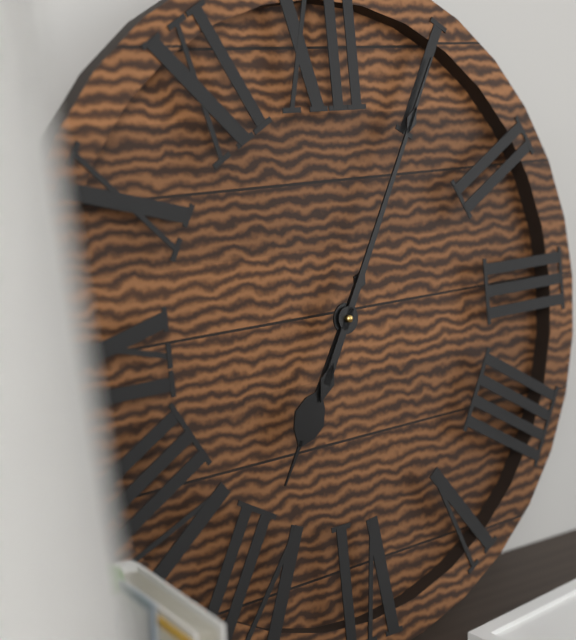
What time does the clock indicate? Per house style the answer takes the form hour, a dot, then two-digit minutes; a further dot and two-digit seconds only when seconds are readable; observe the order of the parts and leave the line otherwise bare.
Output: 7.05
